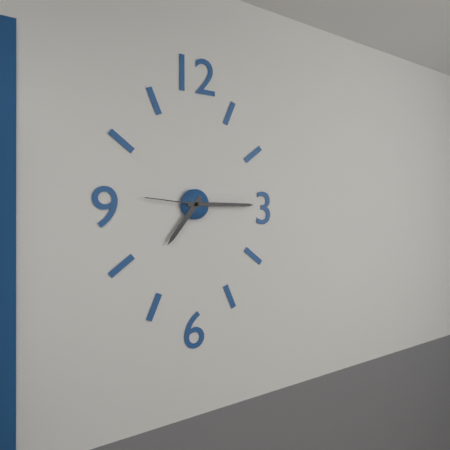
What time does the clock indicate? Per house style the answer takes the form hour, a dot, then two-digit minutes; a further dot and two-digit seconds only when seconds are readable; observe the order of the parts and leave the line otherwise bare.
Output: 7.15.46
